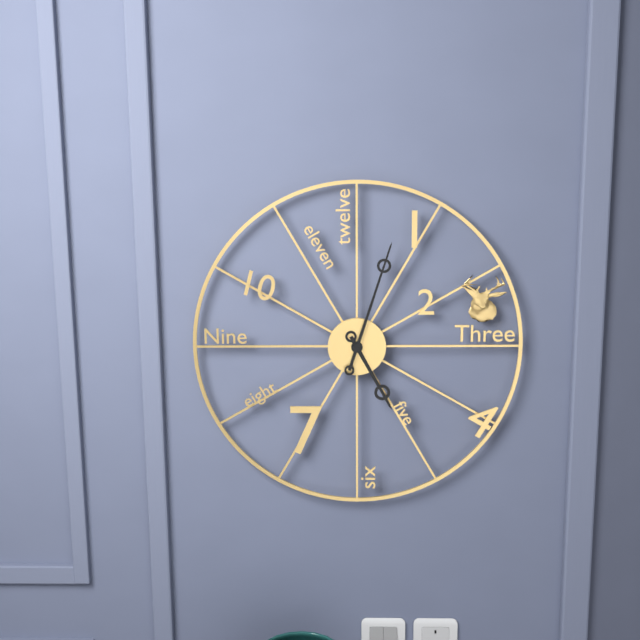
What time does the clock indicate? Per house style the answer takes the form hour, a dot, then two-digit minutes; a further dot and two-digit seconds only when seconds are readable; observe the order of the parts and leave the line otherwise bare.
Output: 5.03
